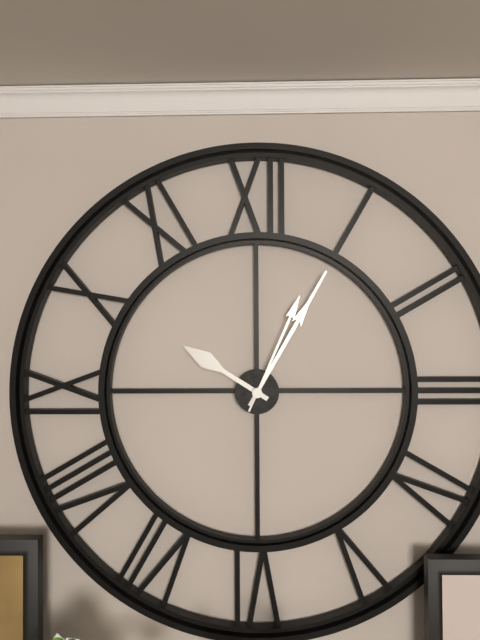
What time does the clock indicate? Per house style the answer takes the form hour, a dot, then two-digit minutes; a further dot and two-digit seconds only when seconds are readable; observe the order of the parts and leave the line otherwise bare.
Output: 10.05.04
